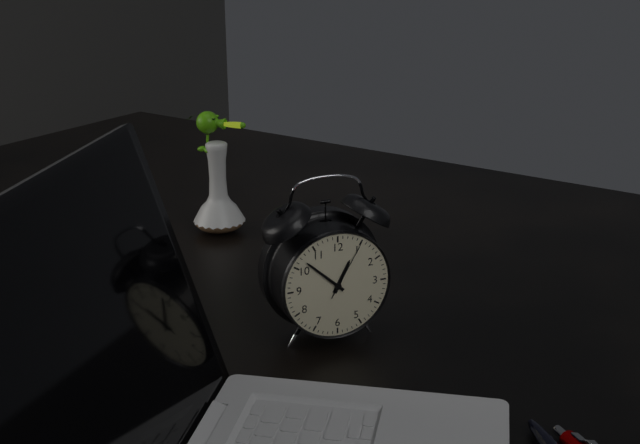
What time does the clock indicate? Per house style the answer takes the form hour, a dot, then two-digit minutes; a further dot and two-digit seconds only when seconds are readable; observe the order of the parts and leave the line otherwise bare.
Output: 12.52.05
